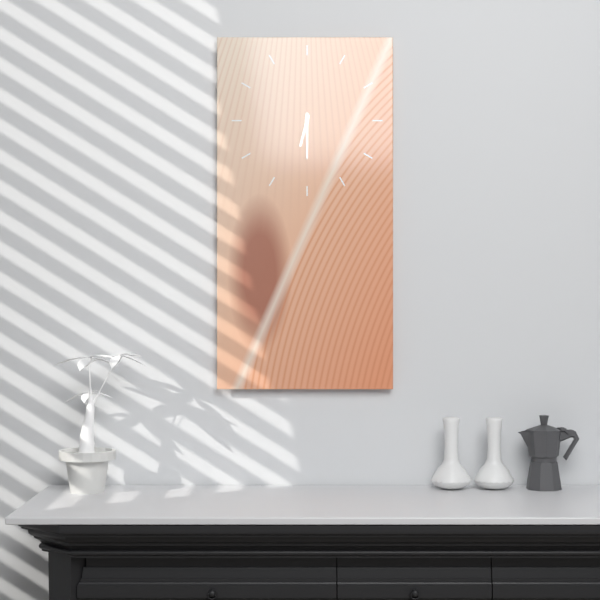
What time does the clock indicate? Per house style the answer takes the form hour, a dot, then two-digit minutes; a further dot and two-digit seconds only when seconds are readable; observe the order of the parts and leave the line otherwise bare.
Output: 6.30
